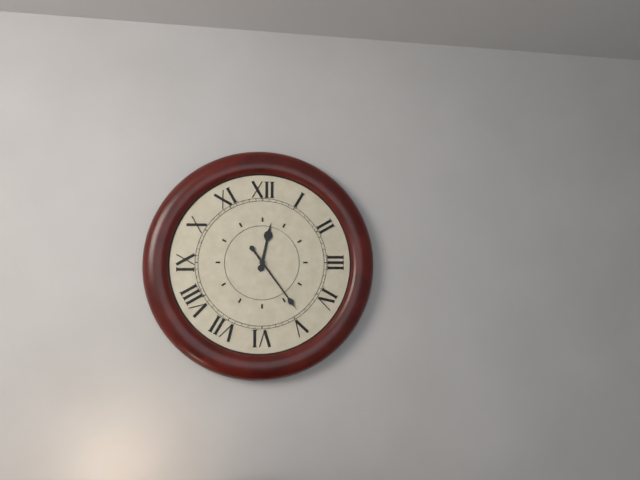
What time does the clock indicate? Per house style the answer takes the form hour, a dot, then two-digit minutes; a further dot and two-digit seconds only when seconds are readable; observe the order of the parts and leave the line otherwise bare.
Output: 12.24
